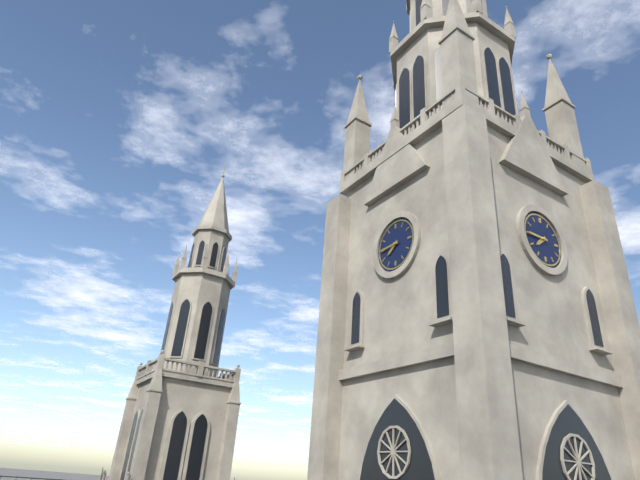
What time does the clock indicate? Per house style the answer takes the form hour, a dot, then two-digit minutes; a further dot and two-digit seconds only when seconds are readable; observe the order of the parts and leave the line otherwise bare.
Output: 7.45
